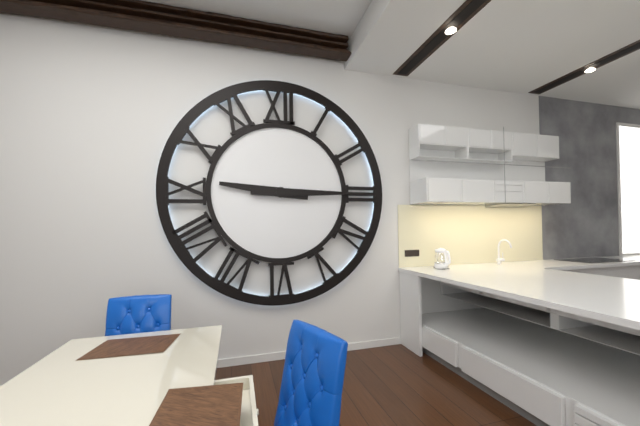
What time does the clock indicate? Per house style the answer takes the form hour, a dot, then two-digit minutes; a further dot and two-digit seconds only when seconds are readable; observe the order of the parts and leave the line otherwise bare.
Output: 9.15
